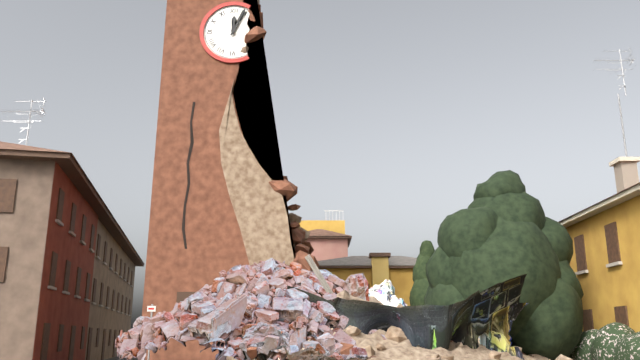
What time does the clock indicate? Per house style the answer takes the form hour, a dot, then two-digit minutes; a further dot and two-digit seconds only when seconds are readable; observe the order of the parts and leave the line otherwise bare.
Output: 12.04
